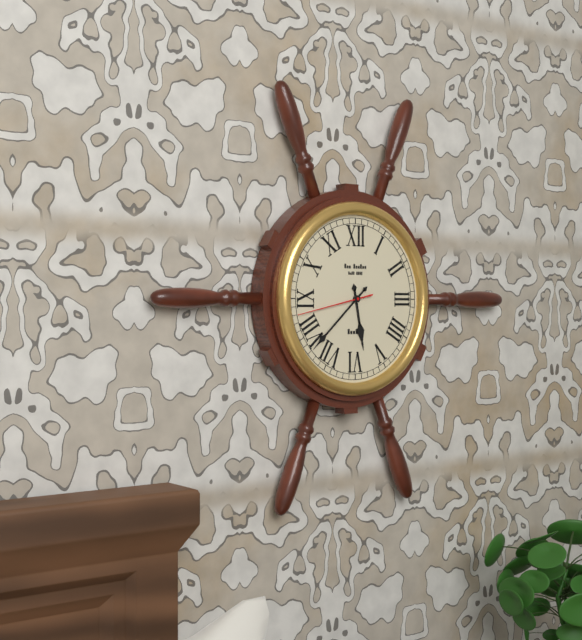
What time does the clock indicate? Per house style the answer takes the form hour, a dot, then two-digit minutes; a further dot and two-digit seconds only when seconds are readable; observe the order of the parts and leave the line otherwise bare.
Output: 5.38.43
